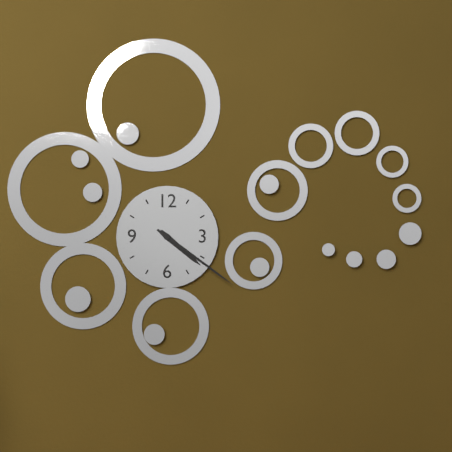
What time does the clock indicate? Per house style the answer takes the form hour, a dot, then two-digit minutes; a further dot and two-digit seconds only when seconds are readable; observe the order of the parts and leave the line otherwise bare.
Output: 4.21
